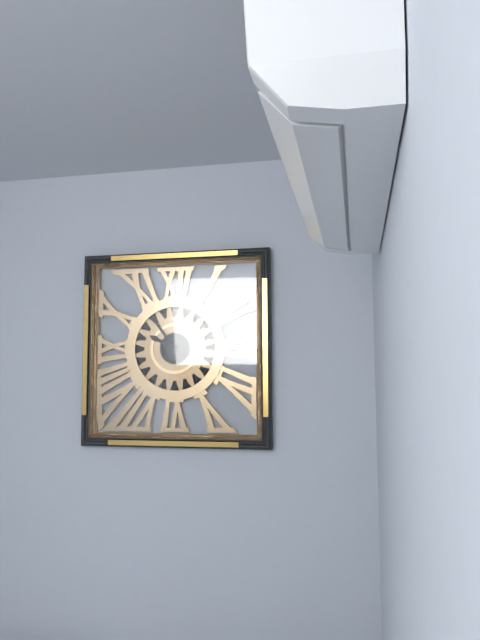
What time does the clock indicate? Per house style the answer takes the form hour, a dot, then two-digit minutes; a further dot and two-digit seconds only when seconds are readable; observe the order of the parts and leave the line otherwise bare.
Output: 9.54
